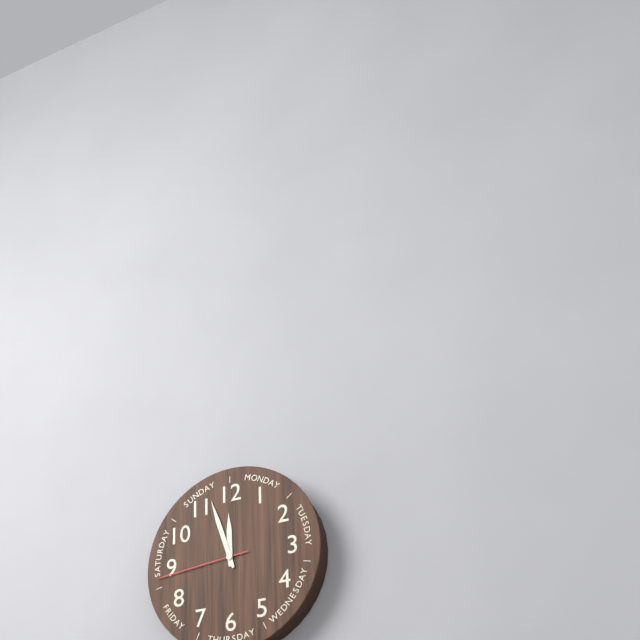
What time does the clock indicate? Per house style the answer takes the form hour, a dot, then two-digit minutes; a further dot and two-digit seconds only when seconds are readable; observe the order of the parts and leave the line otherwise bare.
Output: 11.57.44
